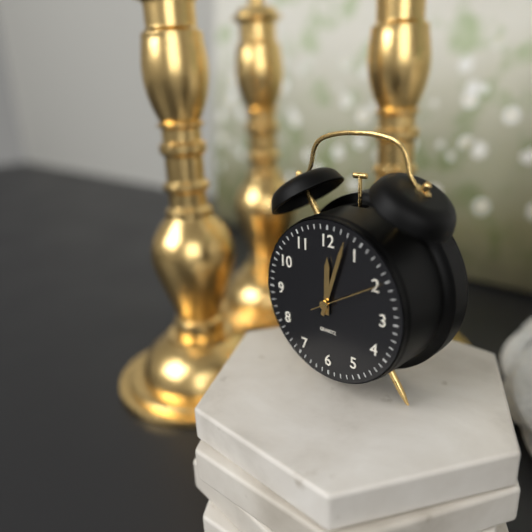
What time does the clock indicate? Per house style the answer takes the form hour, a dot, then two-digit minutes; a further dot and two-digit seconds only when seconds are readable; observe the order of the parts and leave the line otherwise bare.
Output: 12.03.10
